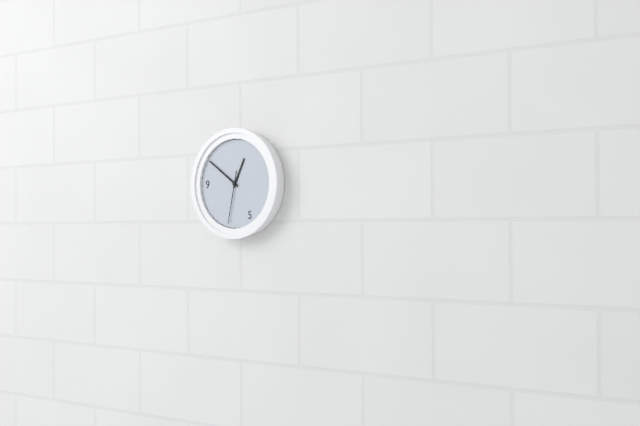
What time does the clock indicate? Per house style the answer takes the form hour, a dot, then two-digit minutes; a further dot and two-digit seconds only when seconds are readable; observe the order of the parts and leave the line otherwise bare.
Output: 12.51.32
